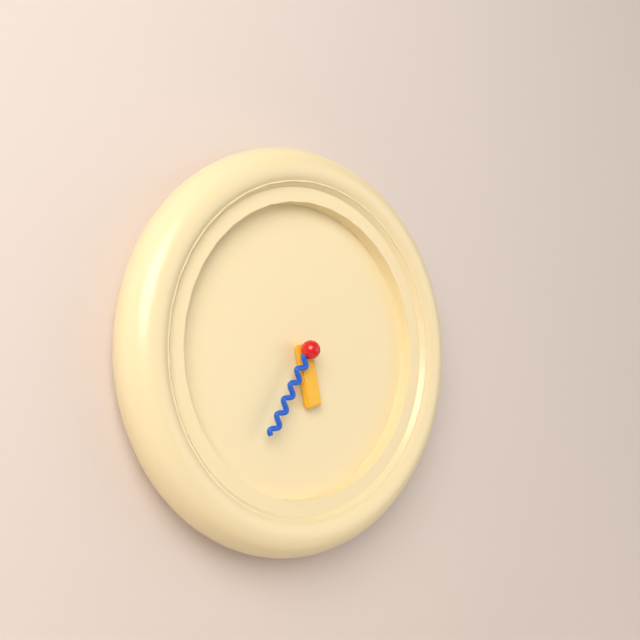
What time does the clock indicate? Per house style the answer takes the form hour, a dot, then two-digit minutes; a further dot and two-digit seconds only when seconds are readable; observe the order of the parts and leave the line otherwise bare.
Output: 5.35
